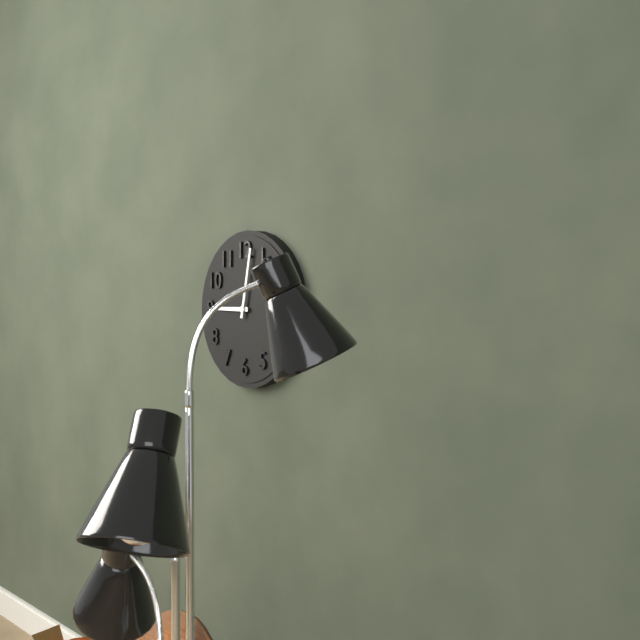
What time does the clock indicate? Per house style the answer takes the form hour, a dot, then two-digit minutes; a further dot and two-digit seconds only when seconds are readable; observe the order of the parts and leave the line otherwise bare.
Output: 9.02
